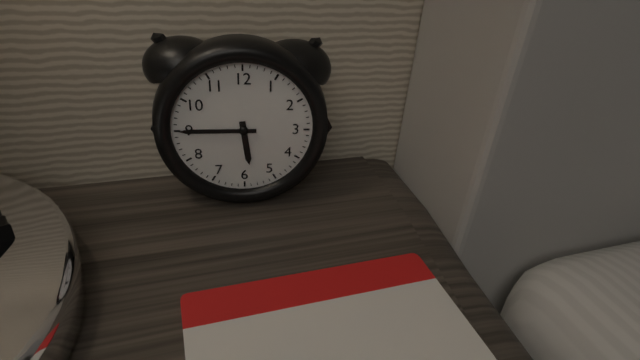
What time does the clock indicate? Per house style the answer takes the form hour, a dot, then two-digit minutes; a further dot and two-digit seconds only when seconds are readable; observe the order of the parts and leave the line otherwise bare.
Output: 5.45
